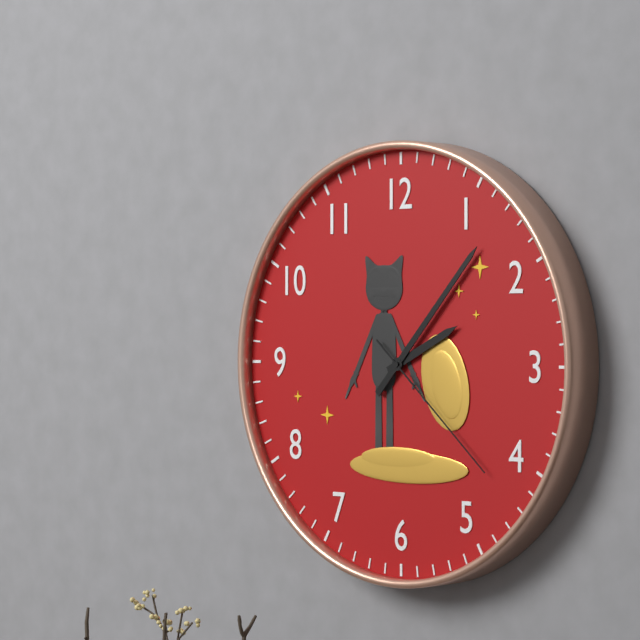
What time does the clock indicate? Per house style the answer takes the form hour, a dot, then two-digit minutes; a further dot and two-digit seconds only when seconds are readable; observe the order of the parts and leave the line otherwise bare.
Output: 2.07.22
